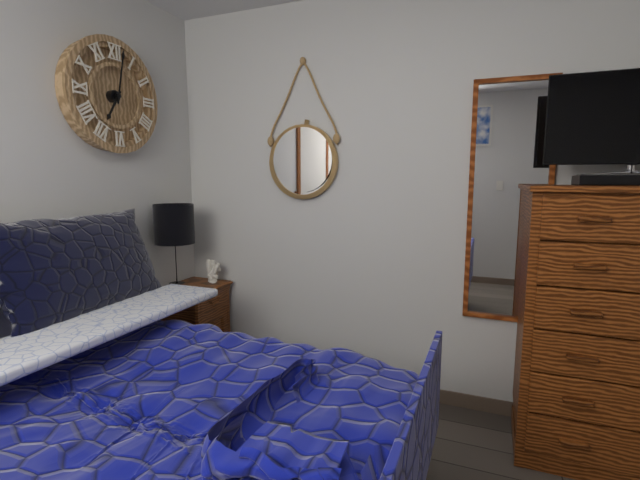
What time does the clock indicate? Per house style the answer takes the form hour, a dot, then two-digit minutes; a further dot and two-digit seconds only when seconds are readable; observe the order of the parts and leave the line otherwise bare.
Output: 7.02
